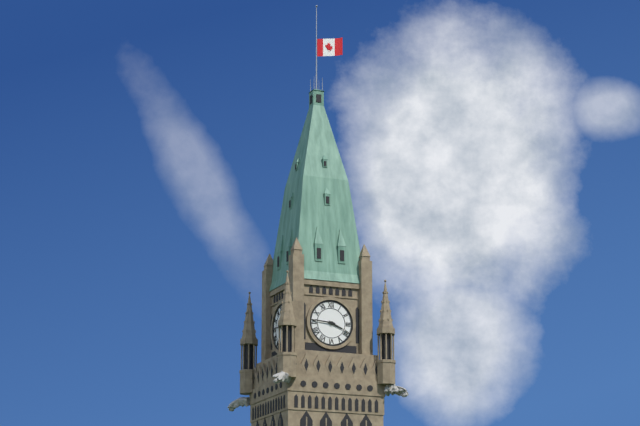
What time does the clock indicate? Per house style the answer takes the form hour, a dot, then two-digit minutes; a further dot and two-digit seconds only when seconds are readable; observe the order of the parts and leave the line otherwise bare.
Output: 3.46
